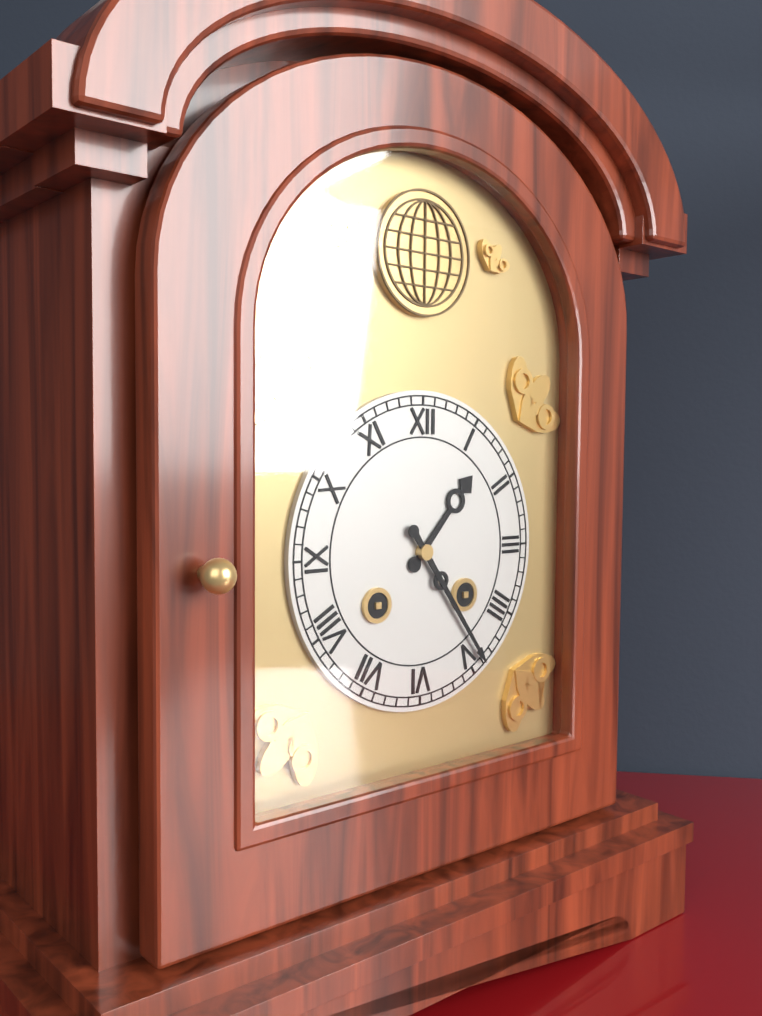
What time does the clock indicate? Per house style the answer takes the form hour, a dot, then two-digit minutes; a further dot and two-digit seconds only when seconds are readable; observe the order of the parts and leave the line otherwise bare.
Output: 1.24
